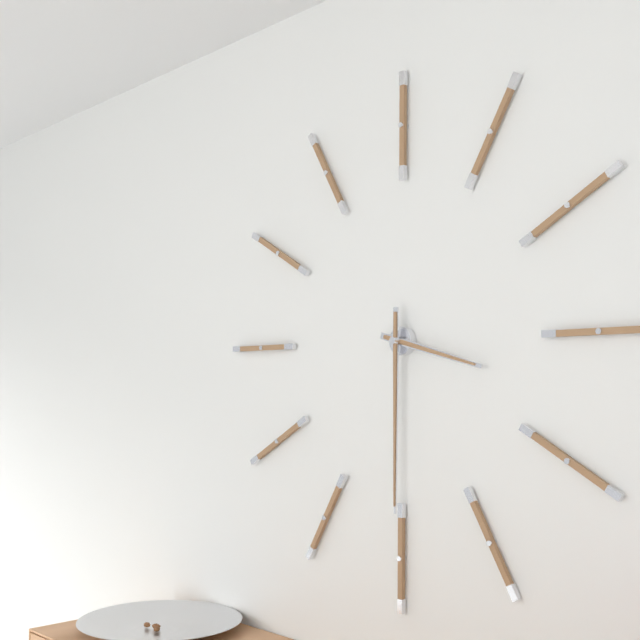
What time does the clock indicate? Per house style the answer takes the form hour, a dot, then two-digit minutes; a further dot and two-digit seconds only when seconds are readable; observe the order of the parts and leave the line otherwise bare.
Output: 3.30
